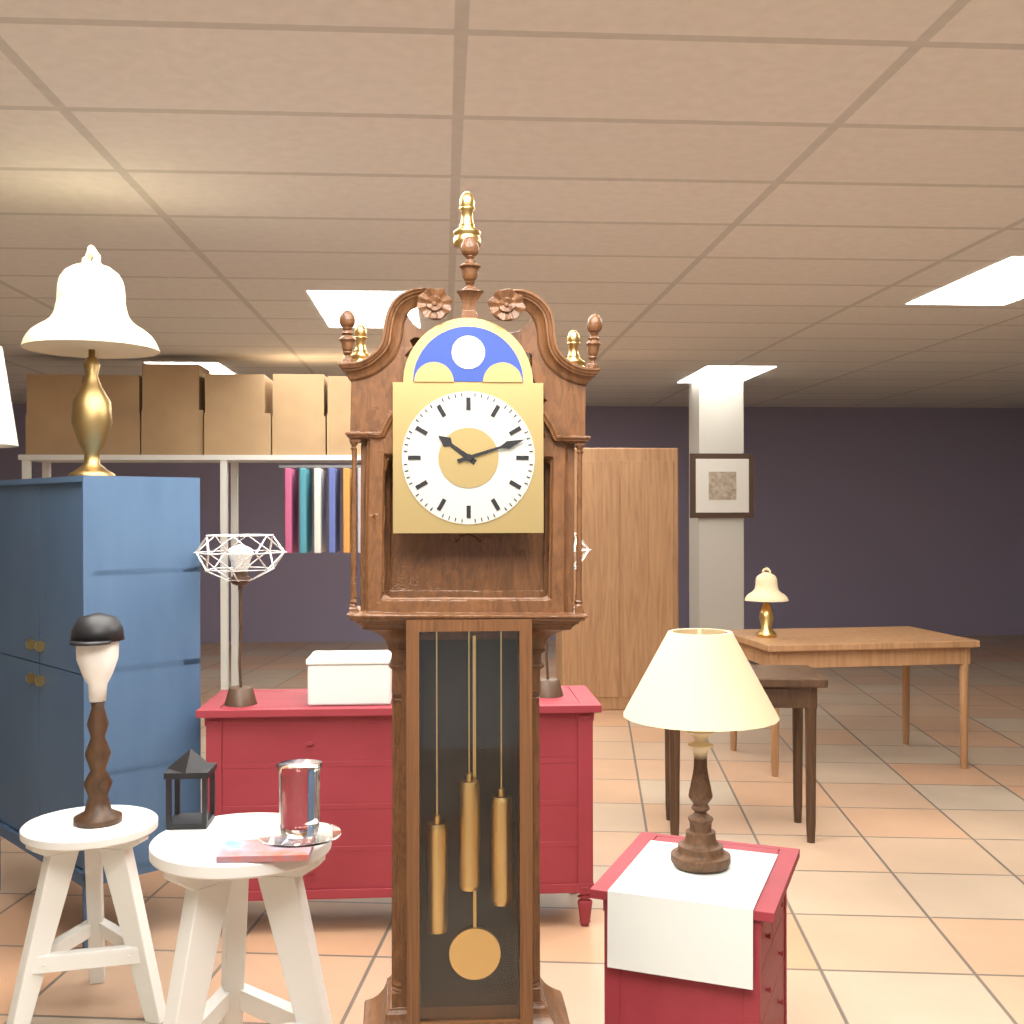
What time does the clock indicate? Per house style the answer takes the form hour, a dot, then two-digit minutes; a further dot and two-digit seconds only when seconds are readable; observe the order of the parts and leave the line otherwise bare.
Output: 10.12
